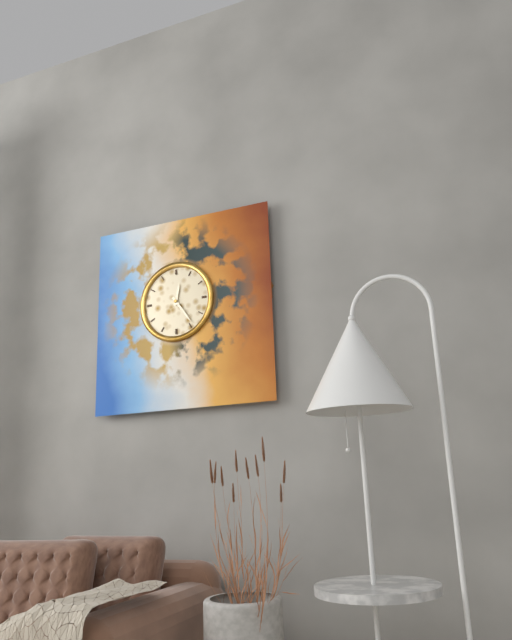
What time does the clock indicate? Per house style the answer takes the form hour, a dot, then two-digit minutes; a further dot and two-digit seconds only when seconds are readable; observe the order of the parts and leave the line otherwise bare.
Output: 12.24
